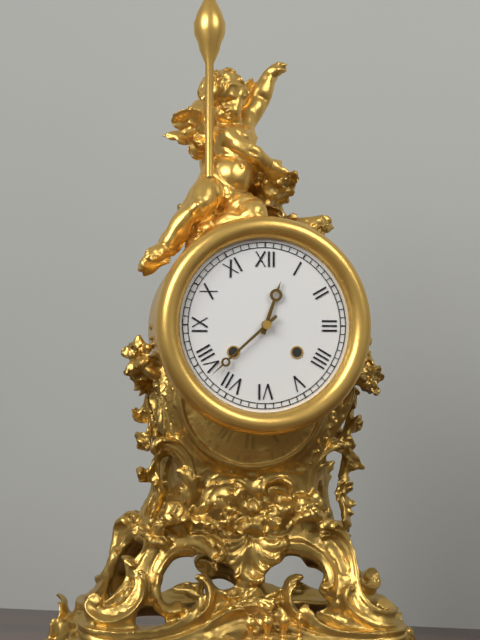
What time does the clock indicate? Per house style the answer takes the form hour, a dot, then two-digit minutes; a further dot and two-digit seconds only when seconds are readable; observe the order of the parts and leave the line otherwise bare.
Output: 12.38
